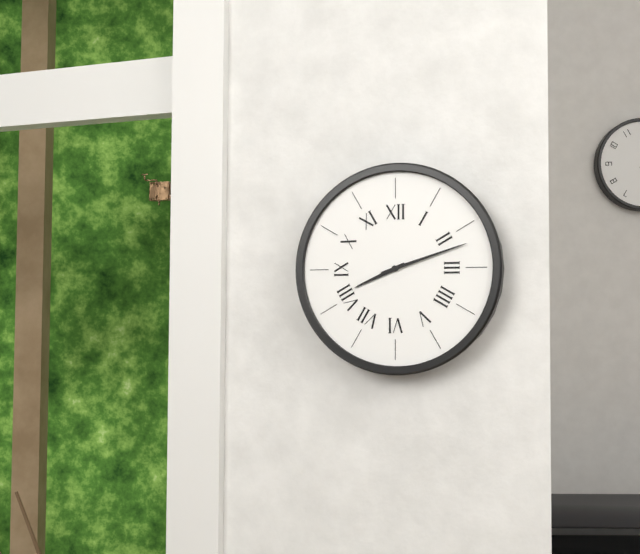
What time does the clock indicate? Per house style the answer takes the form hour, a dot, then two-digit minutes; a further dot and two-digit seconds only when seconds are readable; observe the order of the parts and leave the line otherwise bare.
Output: 8.12
